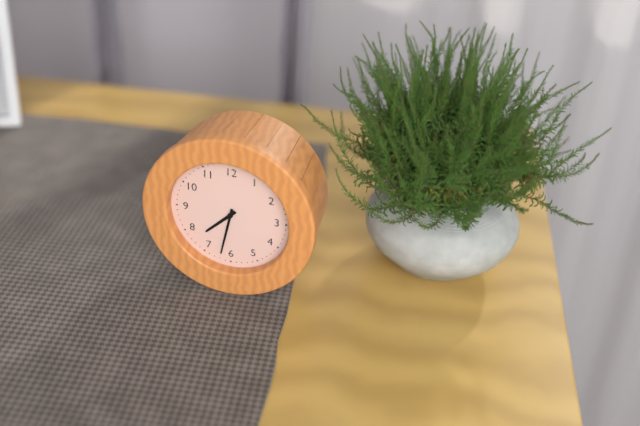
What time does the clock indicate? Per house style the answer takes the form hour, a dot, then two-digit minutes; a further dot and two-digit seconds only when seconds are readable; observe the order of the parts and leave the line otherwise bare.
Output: 7.32
